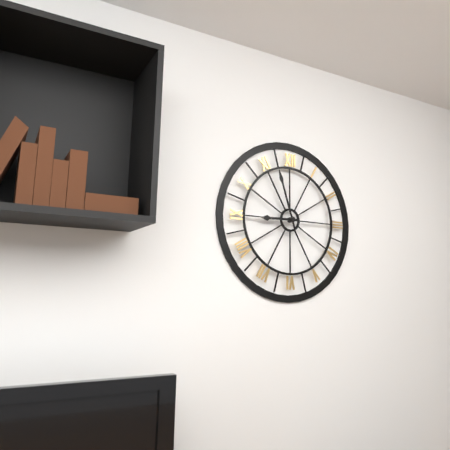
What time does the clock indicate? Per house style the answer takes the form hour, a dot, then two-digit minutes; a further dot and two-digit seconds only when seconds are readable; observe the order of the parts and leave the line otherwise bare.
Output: 8.57
